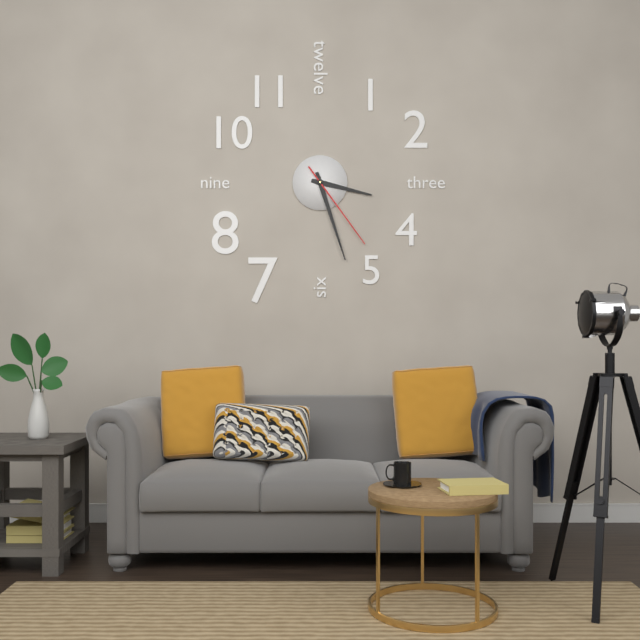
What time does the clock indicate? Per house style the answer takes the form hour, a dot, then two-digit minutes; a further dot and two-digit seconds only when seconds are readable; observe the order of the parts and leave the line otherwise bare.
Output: 3.27.24
